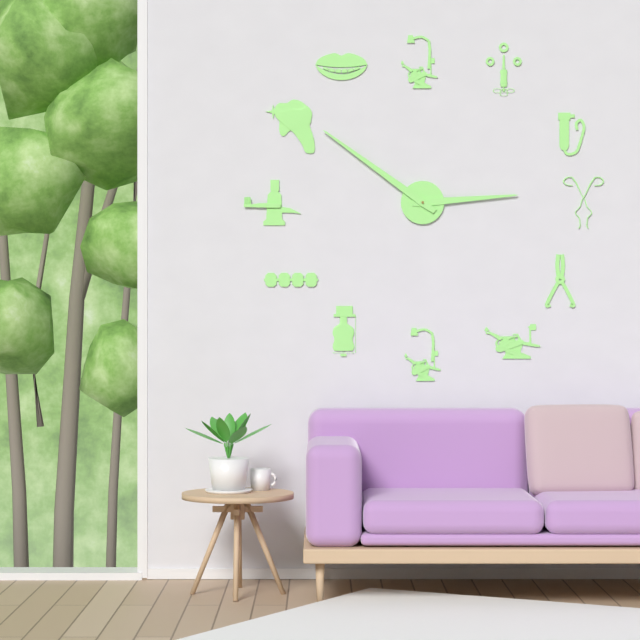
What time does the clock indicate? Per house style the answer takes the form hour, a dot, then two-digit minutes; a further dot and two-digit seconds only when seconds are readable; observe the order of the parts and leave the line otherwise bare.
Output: 2.51
